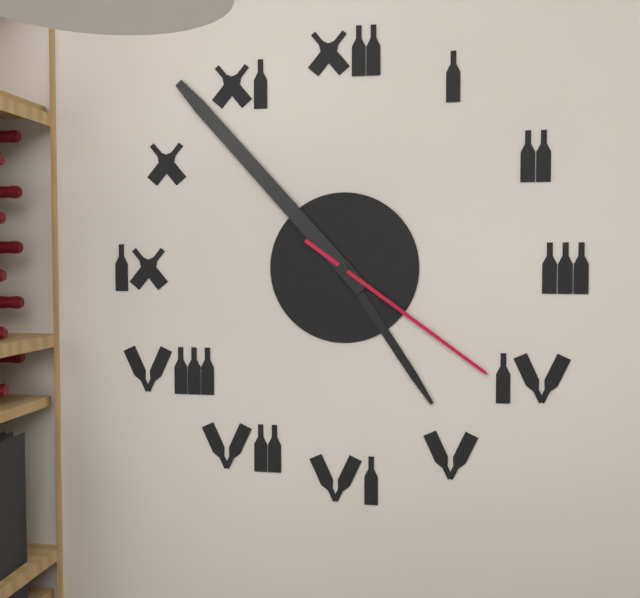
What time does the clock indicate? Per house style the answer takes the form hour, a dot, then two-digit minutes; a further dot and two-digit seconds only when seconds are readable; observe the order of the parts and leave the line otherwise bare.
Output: 4.53.21
